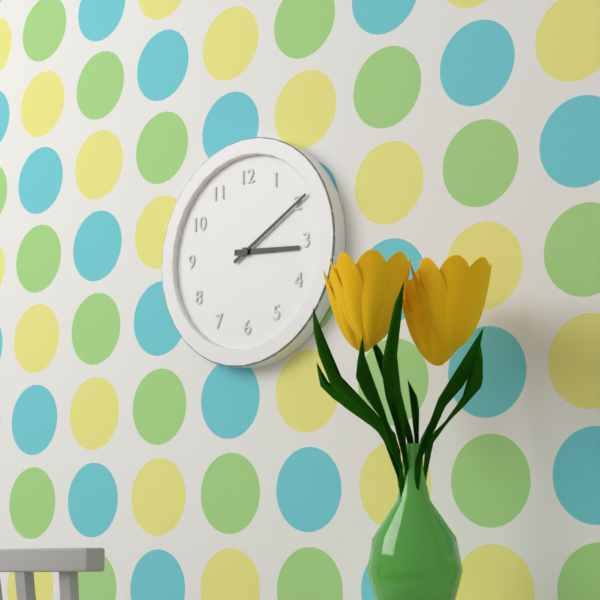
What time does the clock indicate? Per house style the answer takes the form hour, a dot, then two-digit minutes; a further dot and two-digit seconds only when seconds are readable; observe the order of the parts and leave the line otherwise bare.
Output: 3.10
